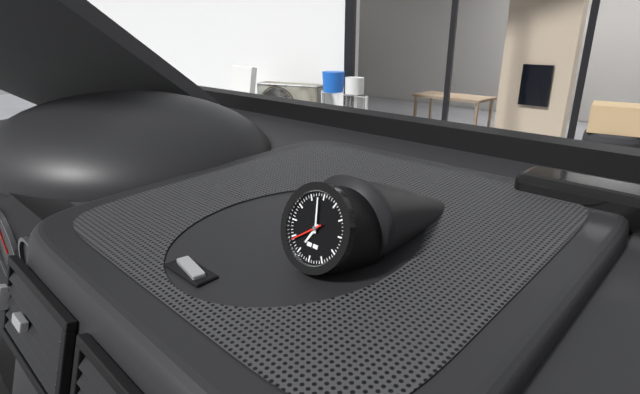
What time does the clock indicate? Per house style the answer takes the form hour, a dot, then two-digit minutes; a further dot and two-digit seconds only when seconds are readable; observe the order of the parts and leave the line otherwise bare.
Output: 6.58
